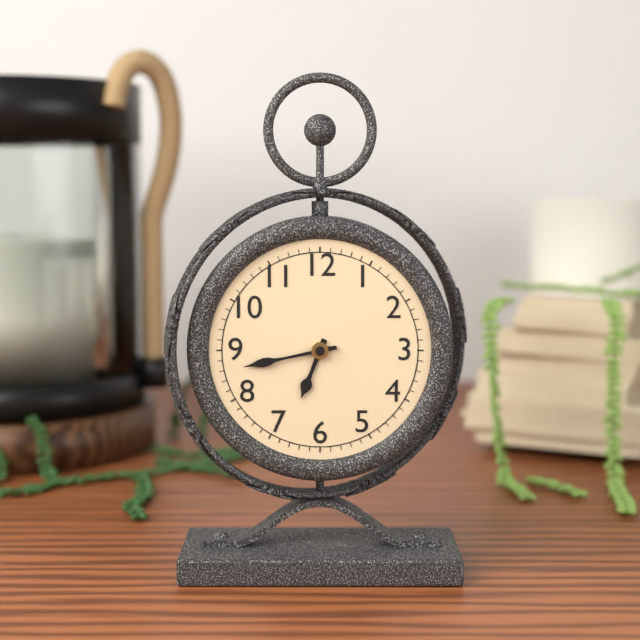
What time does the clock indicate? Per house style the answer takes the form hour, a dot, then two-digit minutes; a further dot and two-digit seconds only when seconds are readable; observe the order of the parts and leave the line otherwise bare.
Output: 6.43
